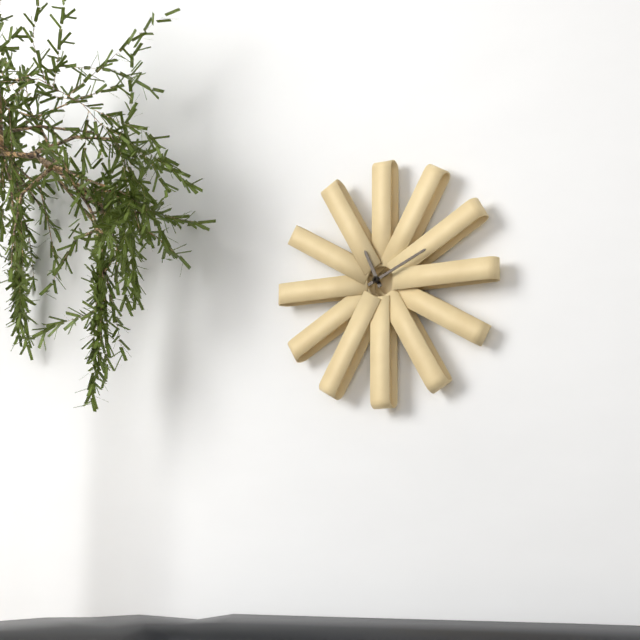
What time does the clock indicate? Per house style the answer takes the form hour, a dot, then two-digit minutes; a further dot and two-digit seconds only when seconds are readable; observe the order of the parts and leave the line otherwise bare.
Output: 11.11
